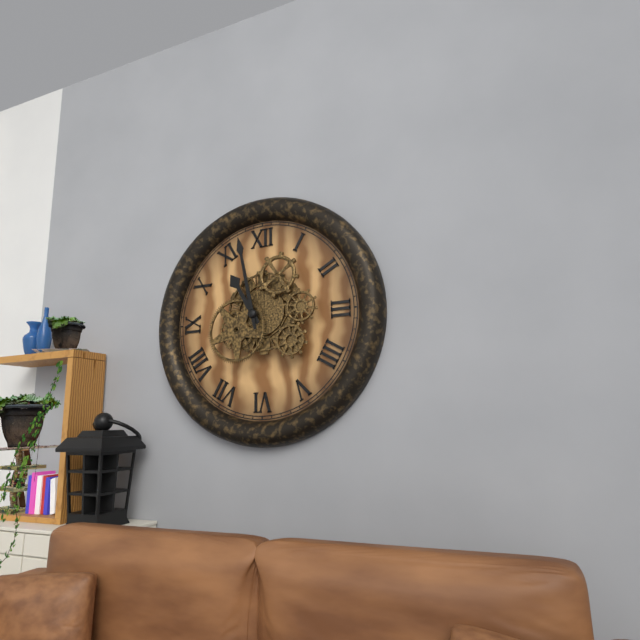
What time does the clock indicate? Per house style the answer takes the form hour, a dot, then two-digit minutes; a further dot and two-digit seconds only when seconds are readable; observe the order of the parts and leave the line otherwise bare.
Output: 10.58
